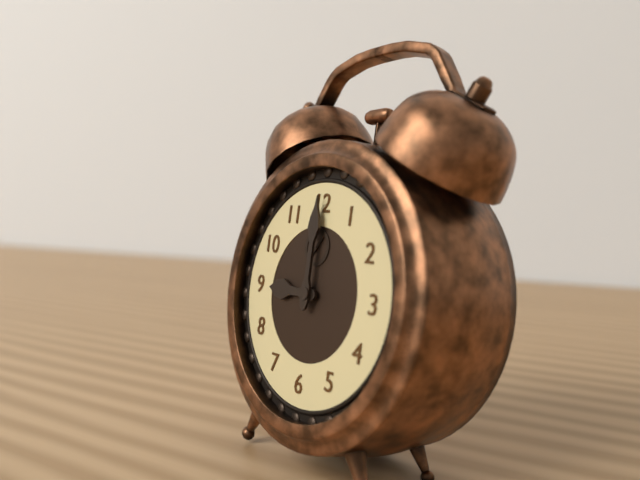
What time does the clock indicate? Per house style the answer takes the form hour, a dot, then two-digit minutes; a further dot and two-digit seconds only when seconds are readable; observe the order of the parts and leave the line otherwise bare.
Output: 9.00
